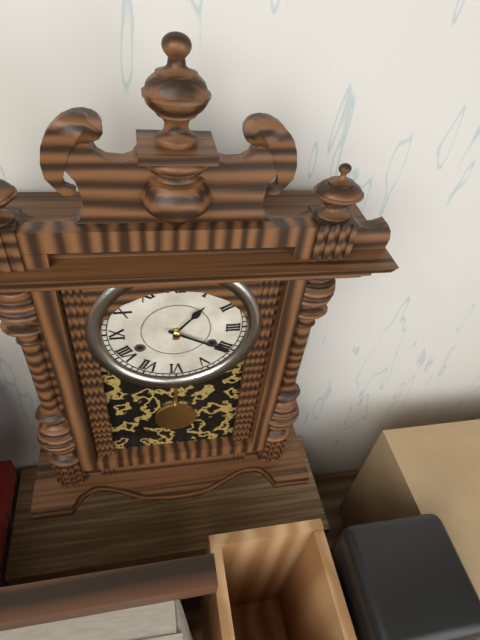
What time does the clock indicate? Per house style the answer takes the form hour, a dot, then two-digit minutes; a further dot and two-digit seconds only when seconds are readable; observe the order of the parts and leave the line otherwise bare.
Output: 1.20
